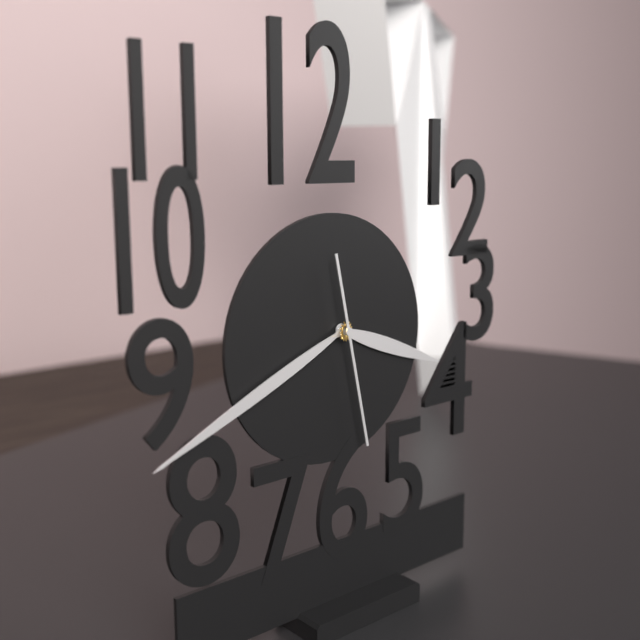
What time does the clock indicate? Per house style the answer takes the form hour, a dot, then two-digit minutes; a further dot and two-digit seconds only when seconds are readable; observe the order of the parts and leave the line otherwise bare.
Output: 3.41.28
